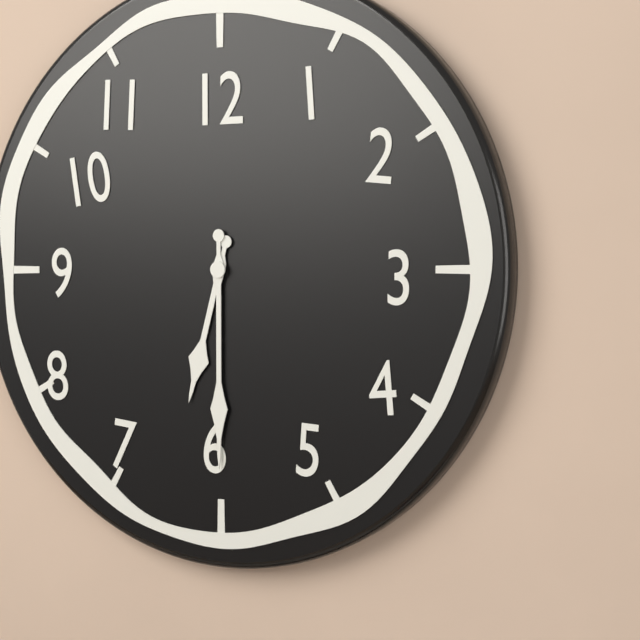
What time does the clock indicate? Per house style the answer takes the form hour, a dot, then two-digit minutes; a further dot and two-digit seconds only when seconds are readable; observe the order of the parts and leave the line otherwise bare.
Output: 6.30
